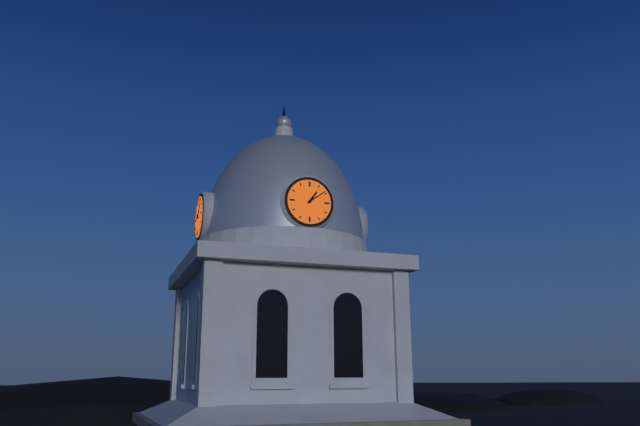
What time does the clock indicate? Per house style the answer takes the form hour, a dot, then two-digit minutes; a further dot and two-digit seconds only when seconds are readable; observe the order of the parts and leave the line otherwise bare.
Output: 1.09
